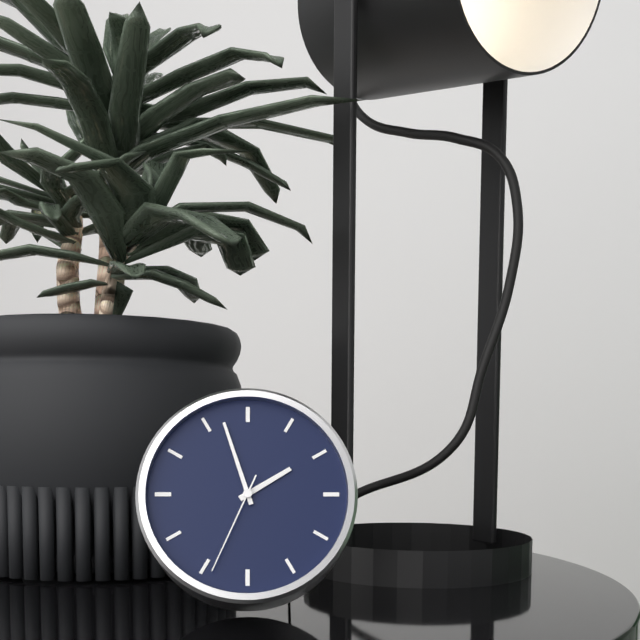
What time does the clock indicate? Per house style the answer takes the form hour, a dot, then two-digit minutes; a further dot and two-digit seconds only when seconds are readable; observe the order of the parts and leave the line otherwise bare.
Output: 1.57.34
